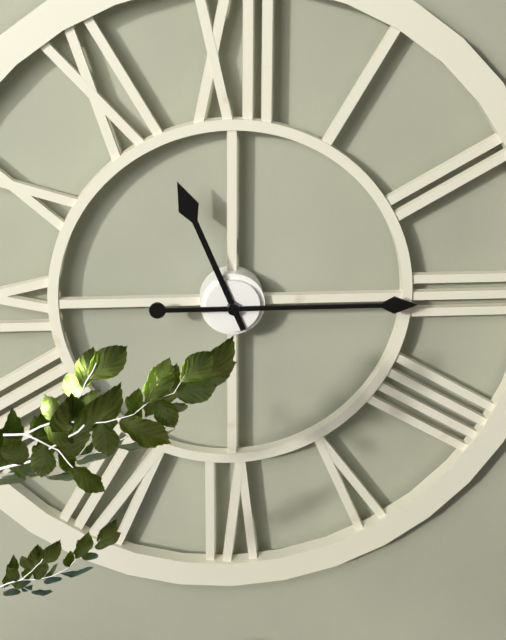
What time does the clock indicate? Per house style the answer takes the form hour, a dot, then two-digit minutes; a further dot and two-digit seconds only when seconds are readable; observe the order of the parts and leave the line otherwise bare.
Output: 11.15
